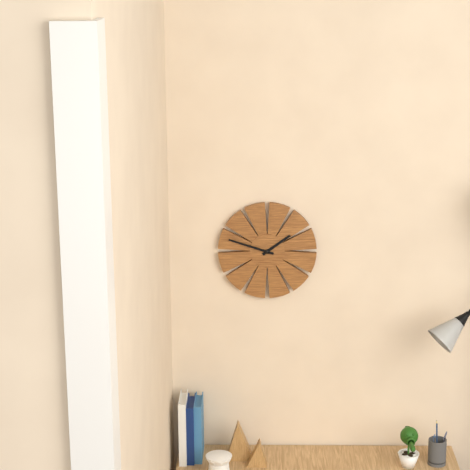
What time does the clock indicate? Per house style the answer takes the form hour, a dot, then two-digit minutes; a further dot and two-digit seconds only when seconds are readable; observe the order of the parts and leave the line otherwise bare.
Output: 1.48
